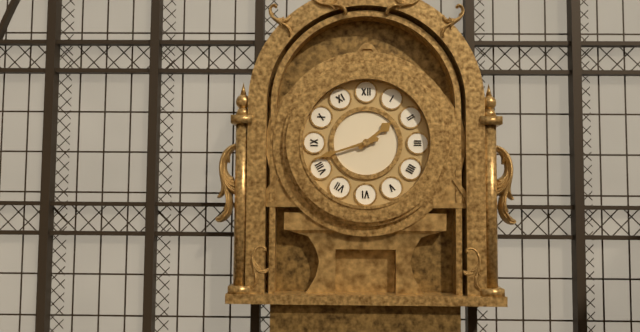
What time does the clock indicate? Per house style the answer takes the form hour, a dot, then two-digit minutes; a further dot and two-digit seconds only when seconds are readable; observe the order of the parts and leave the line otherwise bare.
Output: 1.42
